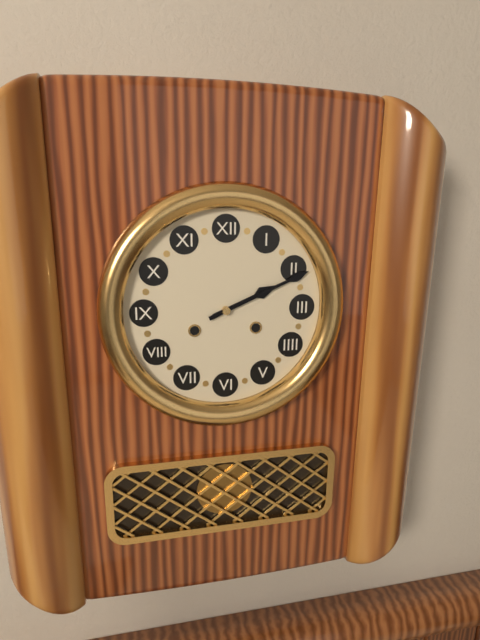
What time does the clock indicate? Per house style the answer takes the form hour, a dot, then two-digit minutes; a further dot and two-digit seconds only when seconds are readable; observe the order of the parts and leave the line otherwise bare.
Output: 2.11
